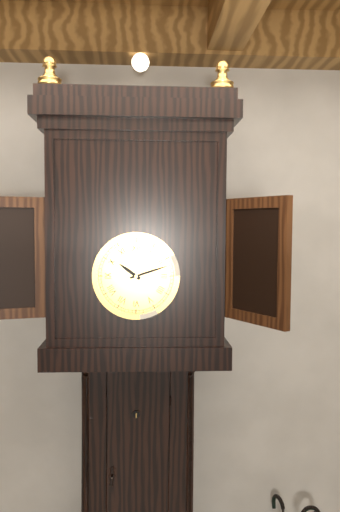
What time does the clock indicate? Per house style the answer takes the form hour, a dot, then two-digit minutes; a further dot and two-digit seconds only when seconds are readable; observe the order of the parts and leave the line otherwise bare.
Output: 10.12
